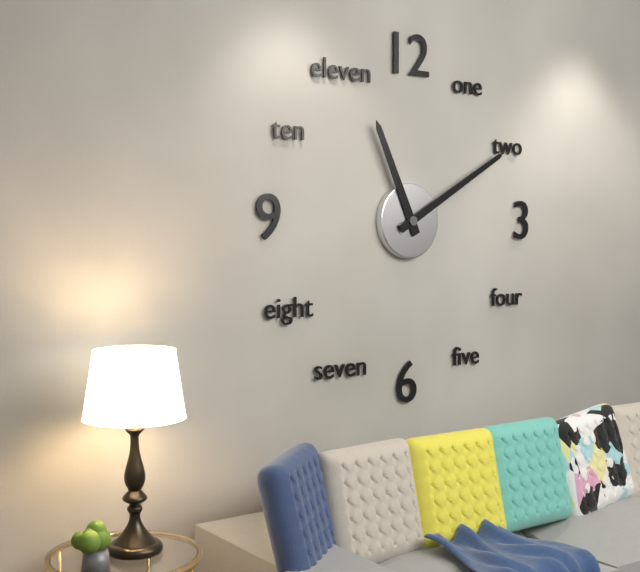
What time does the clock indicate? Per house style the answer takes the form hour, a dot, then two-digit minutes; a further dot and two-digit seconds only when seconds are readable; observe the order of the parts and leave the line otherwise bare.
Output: 11.10
